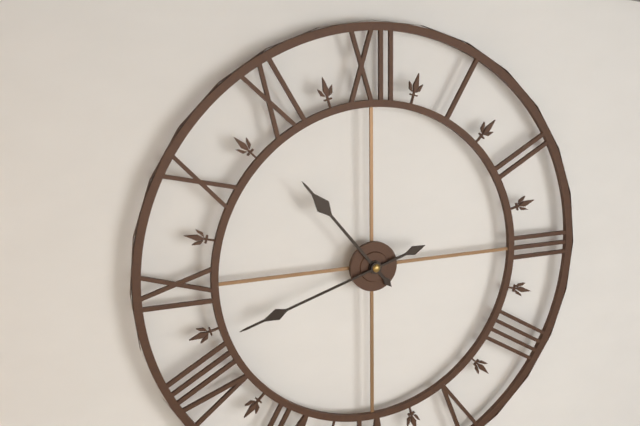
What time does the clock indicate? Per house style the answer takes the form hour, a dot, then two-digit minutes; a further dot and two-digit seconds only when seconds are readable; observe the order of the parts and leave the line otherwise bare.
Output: 10.42
